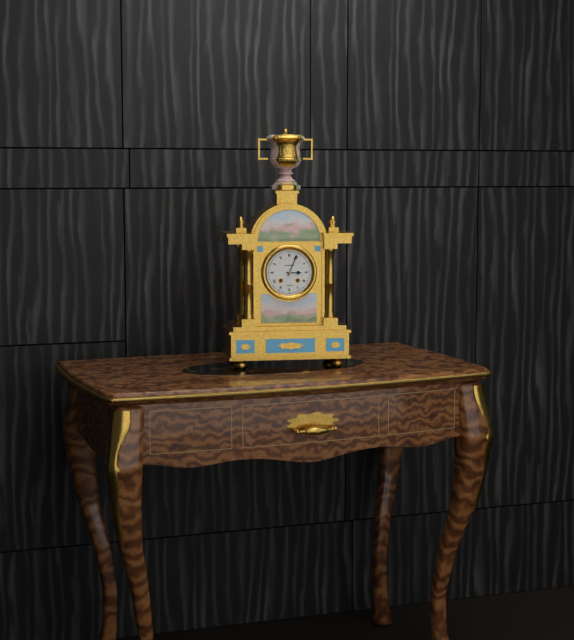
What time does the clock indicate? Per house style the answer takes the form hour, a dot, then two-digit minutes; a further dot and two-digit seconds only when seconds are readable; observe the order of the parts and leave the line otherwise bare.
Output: 3.04
